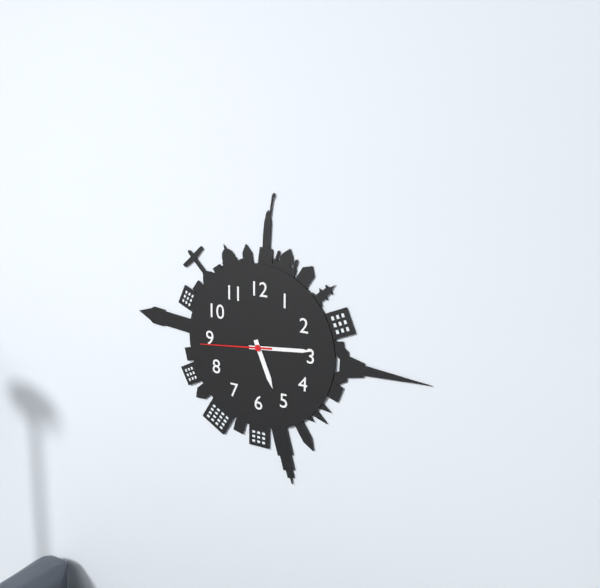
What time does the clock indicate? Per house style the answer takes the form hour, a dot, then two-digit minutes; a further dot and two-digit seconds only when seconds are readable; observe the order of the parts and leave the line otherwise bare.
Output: 5.14.44
